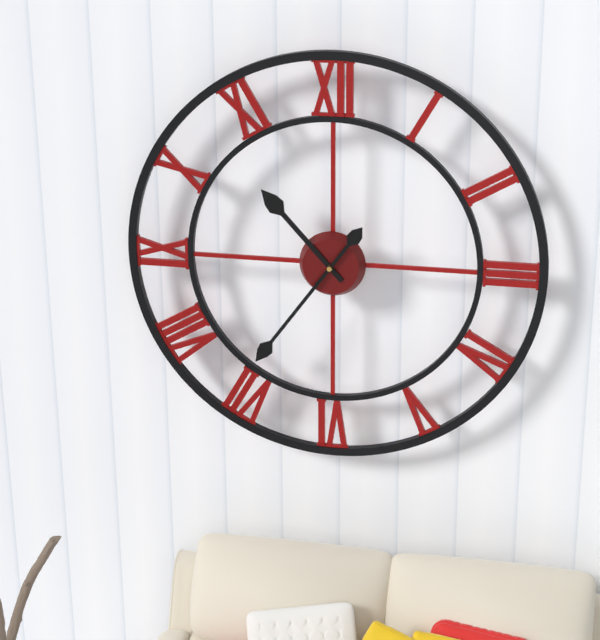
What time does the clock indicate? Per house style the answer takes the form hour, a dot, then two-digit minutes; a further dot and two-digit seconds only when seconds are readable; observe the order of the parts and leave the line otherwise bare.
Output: 10.36
